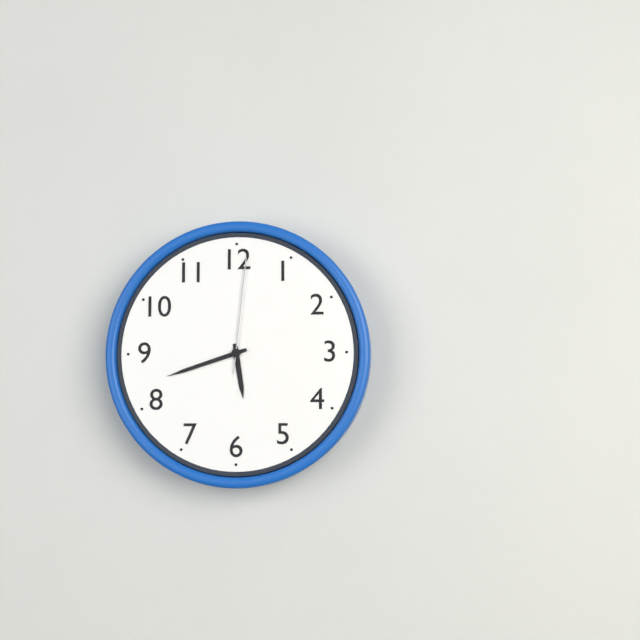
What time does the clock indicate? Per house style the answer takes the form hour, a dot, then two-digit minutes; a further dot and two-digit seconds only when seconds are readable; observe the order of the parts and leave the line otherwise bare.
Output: 5.42.01
